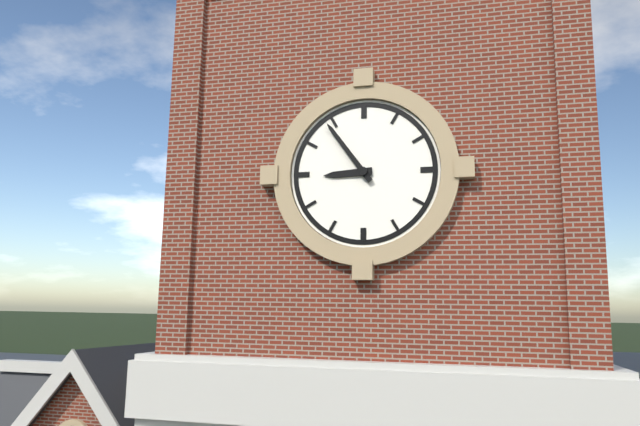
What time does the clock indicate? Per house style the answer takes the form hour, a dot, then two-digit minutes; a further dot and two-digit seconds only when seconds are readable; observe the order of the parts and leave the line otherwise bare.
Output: 8.54
